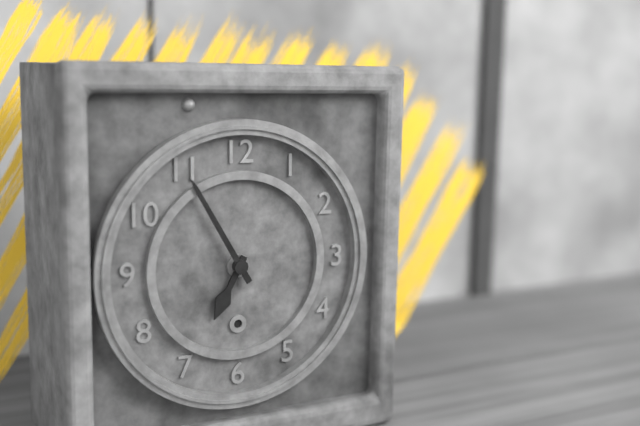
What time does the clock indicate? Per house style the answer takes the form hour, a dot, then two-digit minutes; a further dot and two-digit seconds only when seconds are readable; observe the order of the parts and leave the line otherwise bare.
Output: 6.55
